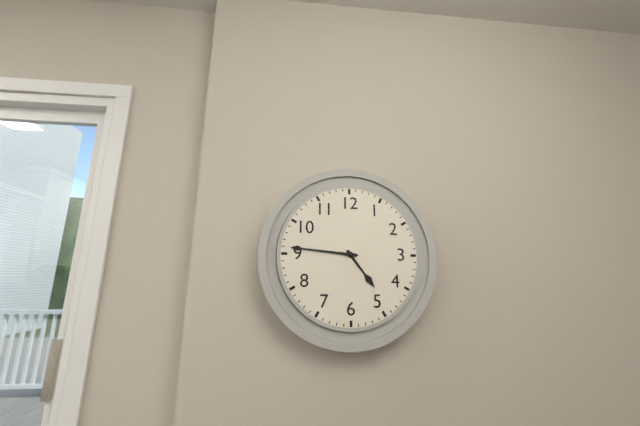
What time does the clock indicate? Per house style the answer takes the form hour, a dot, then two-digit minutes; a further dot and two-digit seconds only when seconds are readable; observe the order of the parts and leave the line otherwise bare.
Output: 4.46
